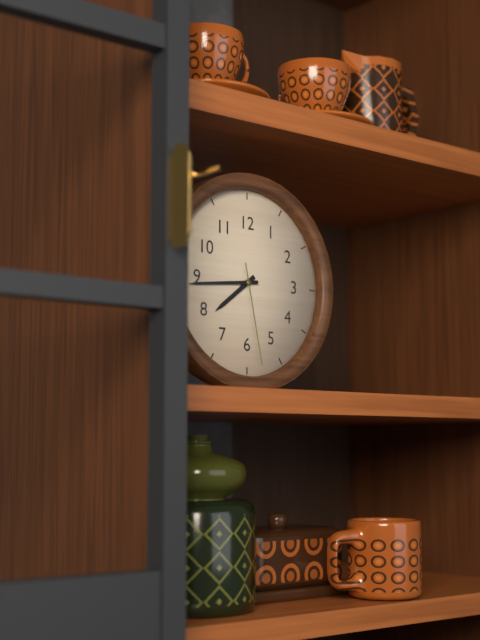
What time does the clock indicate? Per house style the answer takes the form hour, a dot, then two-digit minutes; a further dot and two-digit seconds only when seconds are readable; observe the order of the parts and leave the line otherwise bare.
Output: 7.44.28
